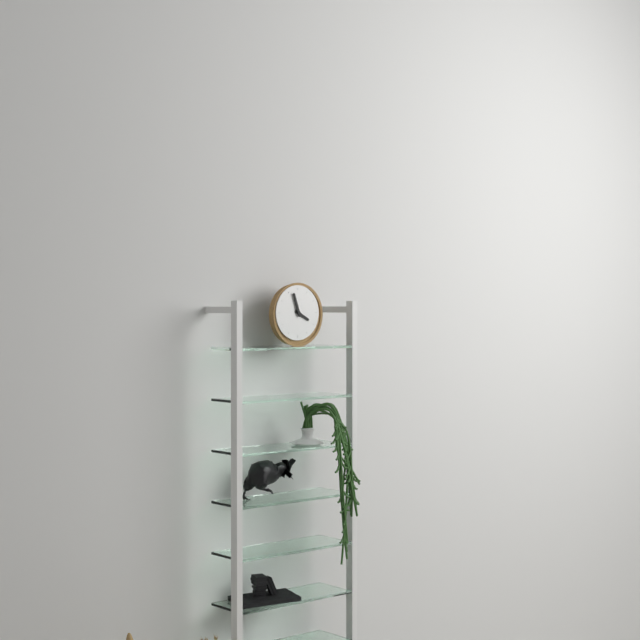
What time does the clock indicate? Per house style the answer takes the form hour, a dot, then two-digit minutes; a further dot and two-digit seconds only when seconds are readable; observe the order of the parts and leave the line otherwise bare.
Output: 3.57
